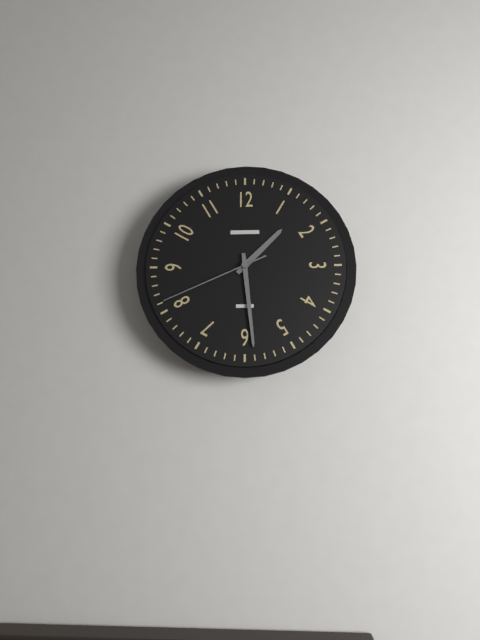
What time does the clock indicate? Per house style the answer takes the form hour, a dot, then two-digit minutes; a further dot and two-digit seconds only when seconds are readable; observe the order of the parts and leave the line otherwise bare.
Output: 1.29.41
